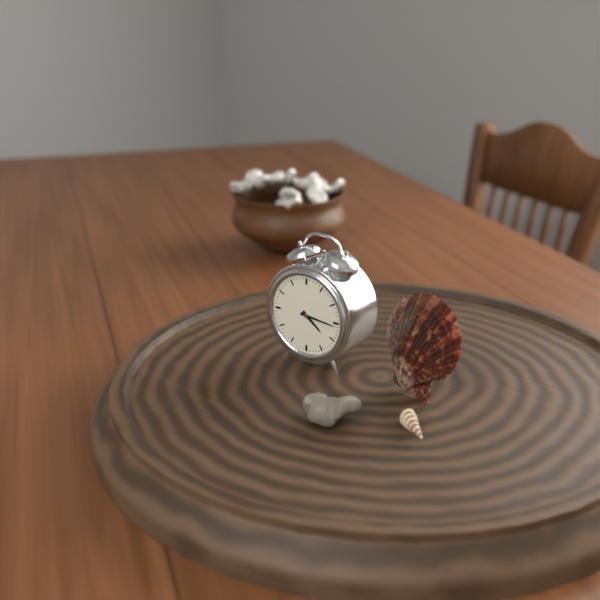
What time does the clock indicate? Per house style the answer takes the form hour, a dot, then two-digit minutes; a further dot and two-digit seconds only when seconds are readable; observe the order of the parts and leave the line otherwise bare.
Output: 4.16
